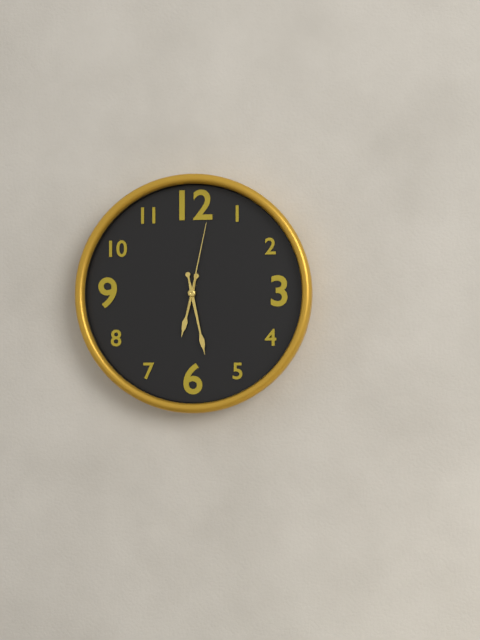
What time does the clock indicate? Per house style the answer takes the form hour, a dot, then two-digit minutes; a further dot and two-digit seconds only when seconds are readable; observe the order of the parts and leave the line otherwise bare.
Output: 6.28.02
